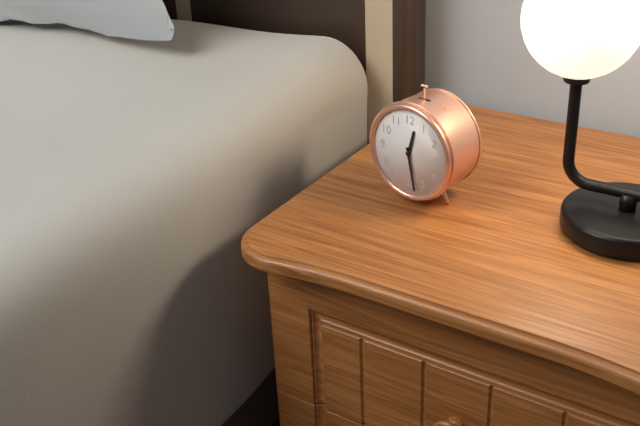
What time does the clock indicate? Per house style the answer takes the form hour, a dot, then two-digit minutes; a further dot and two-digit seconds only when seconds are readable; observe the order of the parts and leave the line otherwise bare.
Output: 12.28
